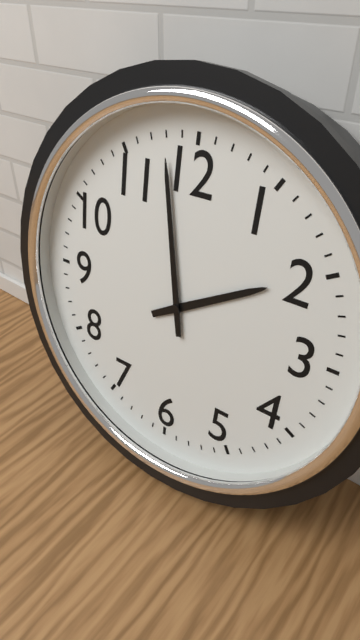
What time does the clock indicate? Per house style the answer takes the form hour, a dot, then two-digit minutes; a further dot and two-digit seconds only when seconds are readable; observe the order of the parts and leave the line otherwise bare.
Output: 1.58
